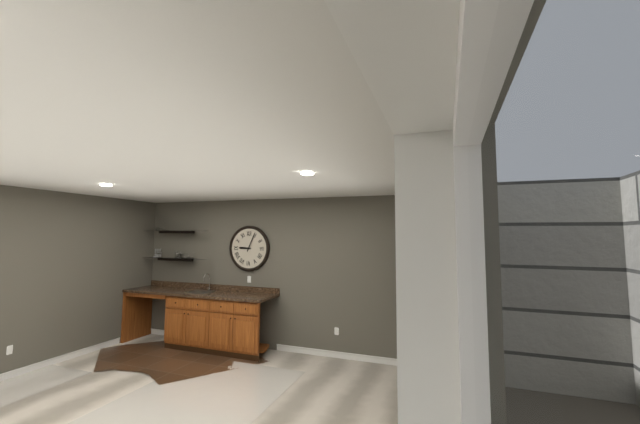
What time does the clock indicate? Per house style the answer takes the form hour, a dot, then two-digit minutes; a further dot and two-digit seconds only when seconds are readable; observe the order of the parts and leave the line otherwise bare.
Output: 9.04
